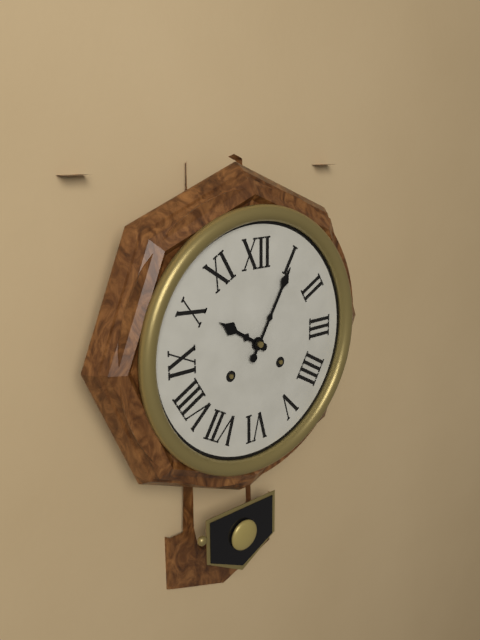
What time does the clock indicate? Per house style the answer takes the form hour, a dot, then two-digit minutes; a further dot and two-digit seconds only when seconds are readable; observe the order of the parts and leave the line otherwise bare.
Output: 10.05
